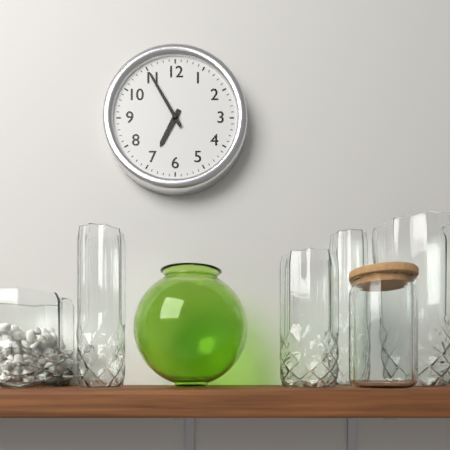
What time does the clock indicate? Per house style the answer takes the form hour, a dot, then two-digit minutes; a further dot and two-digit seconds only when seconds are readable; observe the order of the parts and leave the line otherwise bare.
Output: 6.55
